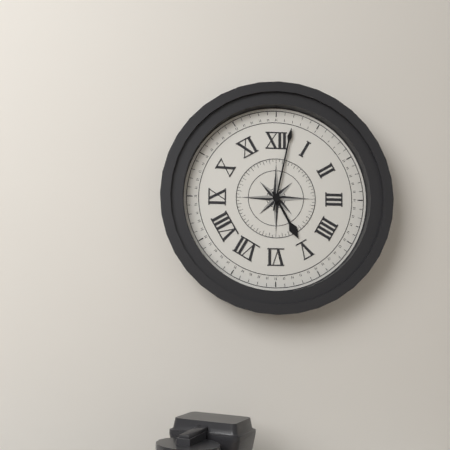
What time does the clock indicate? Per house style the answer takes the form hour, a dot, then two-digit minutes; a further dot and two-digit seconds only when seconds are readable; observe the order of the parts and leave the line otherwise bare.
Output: 5.02
